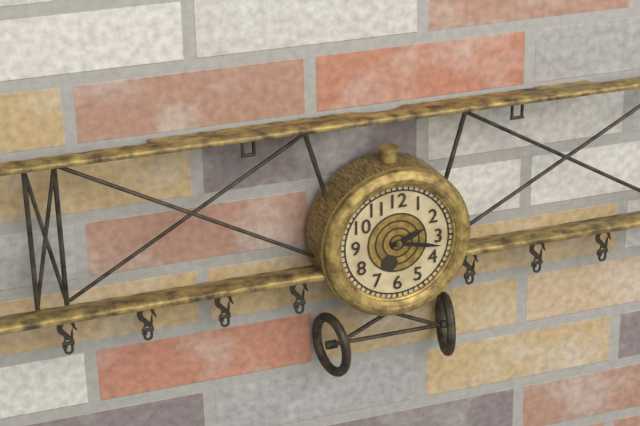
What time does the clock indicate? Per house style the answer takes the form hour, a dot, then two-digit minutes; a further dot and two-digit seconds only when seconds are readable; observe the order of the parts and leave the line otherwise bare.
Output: 2.17
